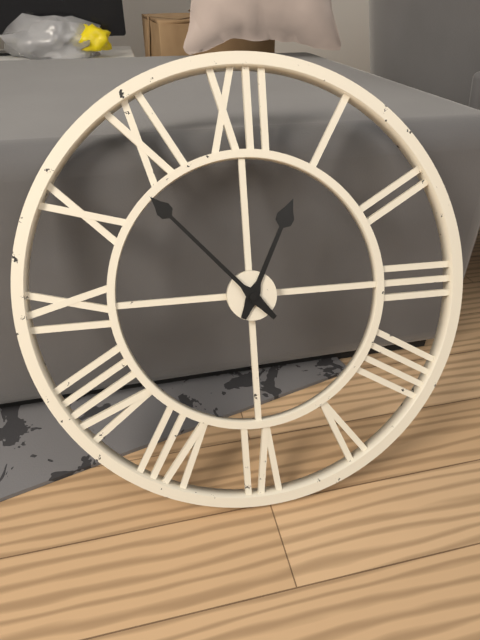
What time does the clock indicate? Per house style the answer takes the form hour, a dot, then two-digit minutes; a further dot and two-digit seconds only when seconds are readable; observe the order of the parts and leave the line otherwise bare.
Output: 12.53
